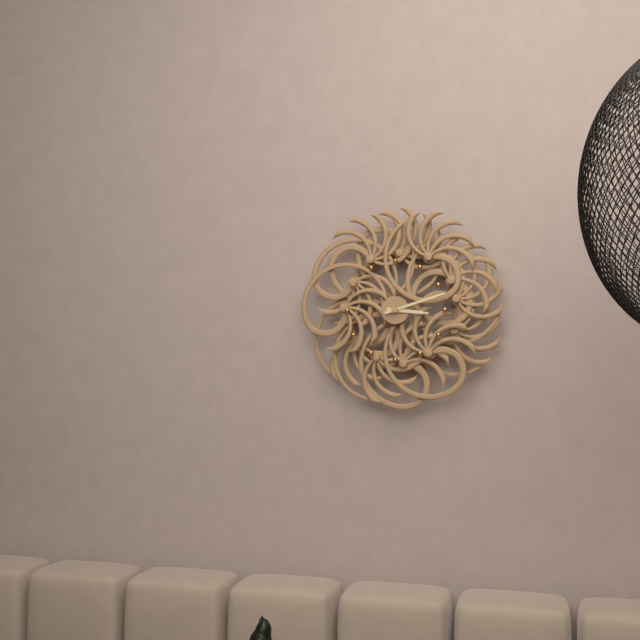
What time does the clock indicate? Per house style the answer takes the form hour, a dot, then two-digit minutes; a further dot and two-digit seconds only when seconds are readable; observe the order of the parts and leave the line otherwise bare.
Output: 3.12
